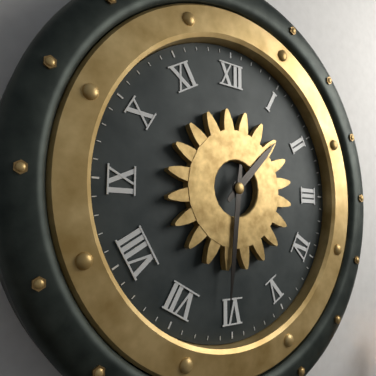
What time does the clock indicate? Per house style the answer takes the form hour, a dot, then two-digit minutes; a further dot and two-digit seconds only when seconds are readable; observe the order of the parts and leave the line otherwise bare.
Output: 1.31
